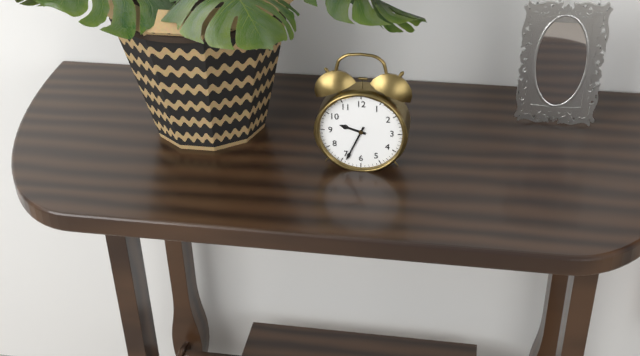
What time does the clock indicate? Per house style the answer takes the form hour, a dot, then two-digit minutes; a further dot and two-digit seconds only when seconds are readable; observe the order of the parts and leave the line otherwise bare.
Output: 9.34
